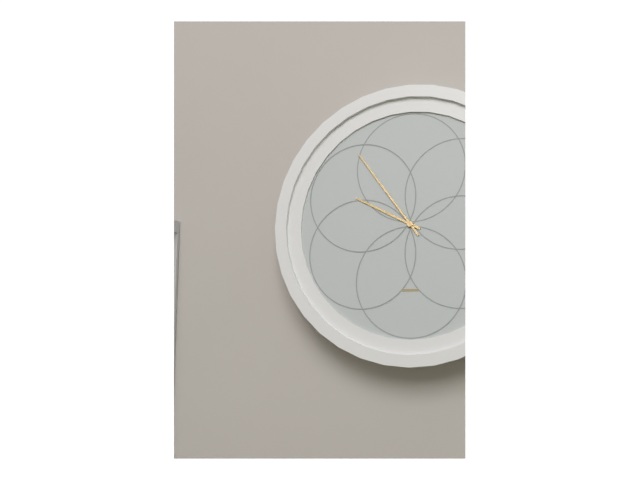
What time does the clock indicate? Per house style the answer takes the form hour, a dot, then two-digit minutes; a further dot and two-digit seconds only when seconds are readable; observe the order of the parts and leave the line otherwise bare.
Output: 9.54
